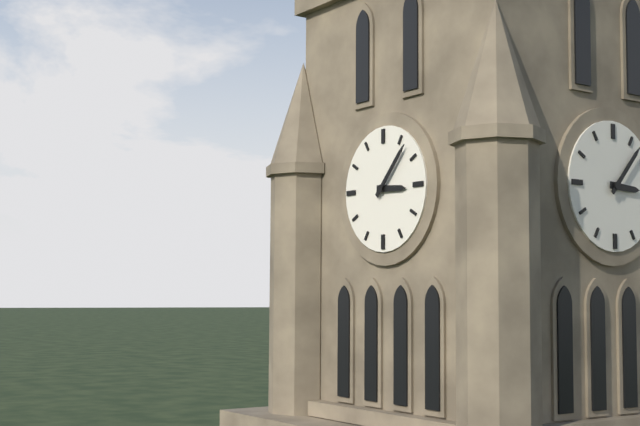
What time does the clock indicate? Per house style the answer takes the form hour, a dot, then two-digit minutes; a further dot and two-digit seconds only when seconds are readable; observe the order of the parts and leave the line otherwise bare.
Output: 3.07
